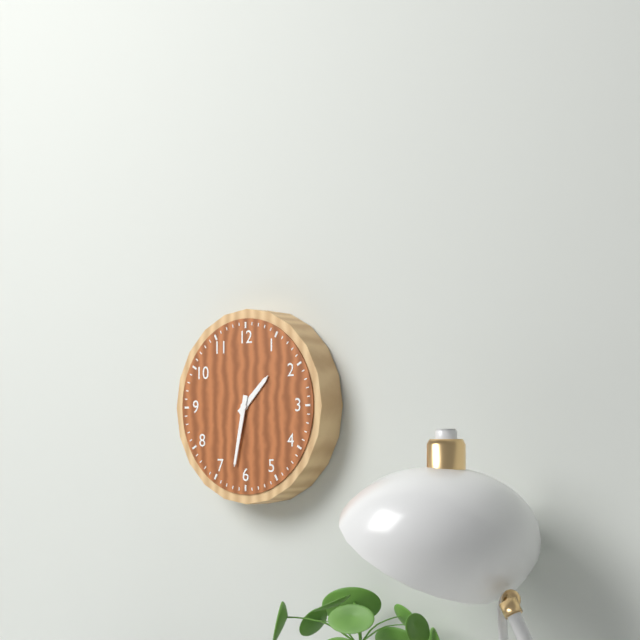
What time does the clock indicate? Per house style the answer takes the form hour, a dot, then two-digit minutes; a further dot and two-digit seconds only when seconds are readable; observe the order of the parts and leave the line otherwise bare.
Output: 1.32
